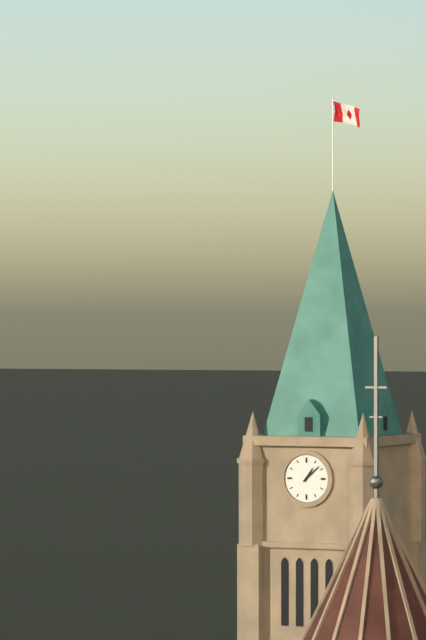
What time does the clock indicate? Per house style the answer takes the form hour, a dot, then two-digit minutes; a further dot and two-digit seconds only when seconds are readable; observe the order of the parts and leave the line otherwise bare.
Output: 1.08
